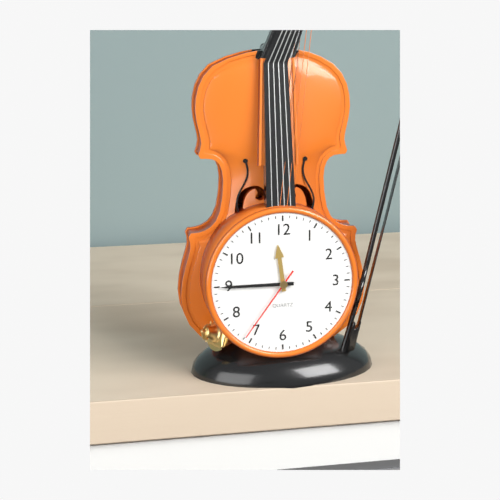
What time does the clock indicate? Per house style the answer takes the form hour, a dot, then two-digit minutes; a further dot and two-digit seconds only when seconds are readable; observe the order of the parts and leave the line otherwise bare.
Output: 11.45.36
